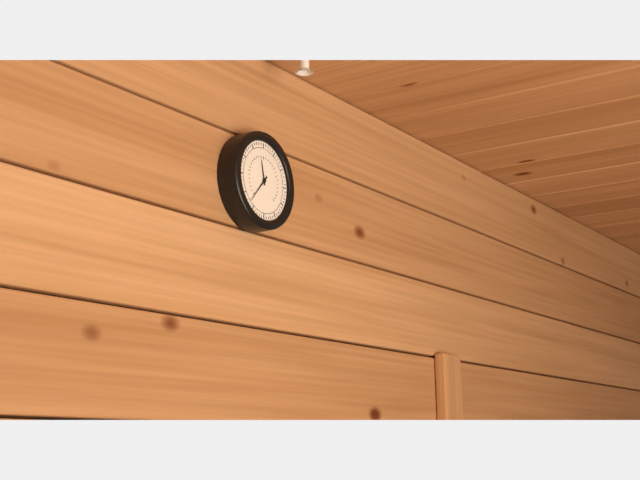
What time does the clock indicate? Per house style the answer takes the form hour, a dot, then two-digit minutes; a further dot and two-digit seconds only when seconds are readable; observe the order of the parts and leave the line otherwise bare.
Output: 11.37
